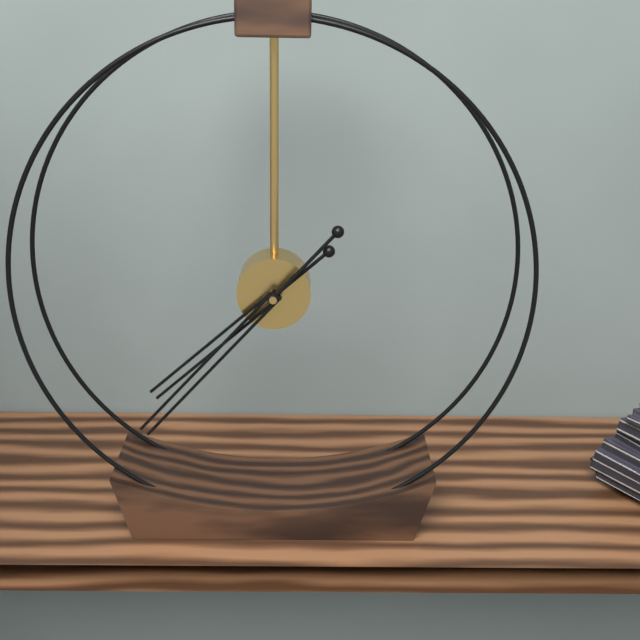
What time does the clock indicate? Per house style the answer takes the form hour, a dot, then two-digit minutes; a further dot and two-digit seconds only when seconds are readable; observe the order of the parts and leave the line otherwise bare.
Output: 7.37
